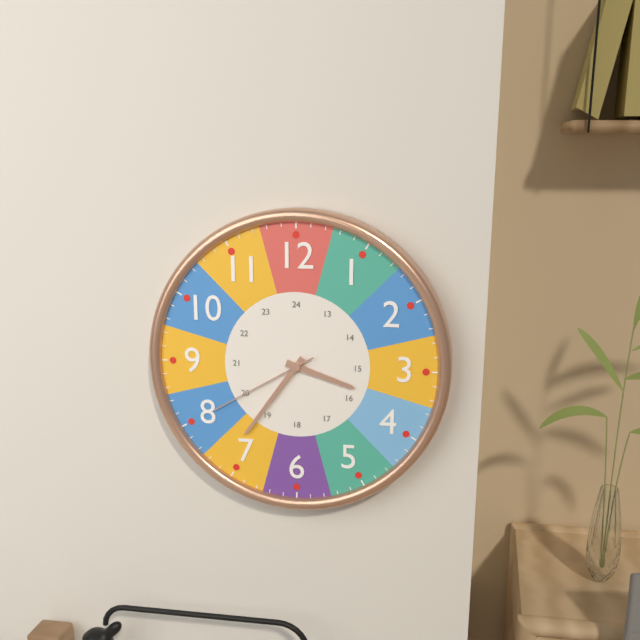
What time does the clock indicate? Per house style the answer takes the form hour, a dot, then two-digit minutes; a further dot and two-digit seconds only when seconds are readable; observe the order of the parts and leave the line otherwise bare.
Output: 3.36.40
